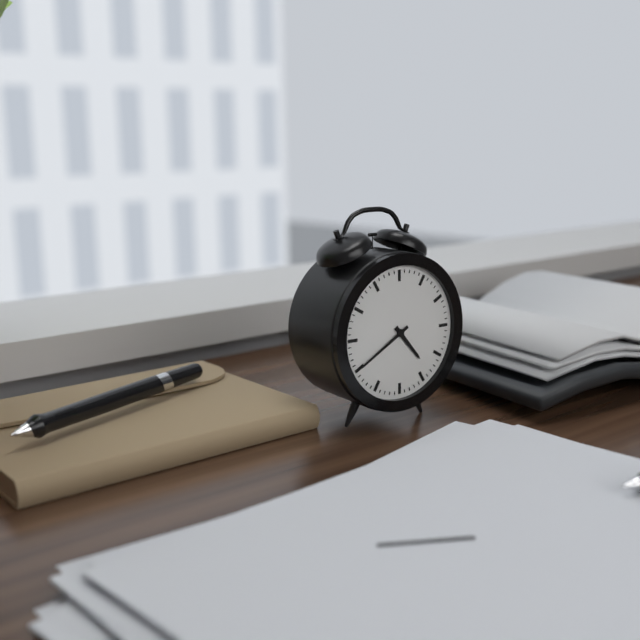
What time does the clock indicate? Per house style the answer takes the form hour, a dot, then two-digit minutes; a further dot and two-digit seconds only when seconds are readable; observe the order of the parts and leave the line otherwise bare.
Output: 4.40
